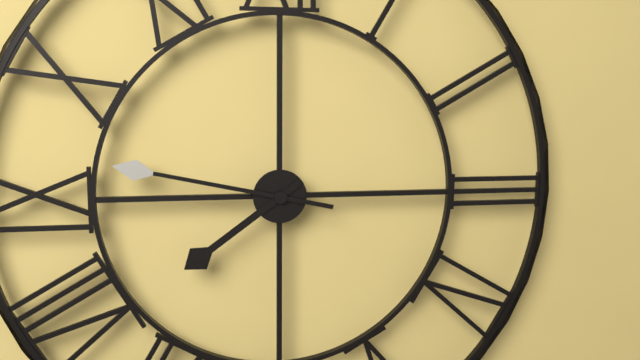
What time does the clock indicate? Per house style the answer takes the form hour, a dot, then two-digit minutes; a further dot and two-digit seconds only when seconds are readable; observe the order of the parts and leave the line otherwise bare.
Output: 7.47
